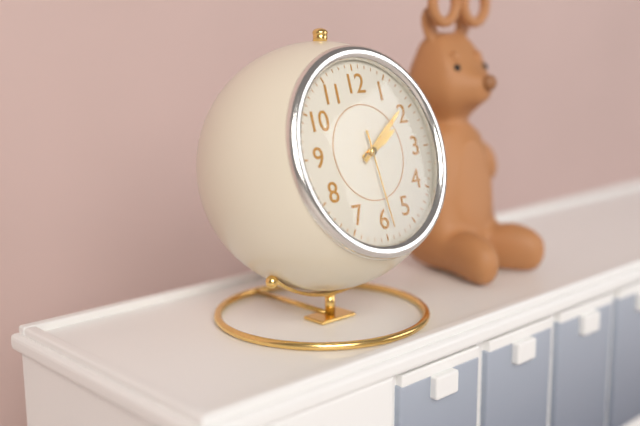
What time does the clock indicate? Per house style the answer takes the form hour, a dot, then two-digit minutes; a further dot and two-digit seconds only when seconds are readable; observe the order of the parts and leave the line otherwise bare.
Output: 2.09.29
